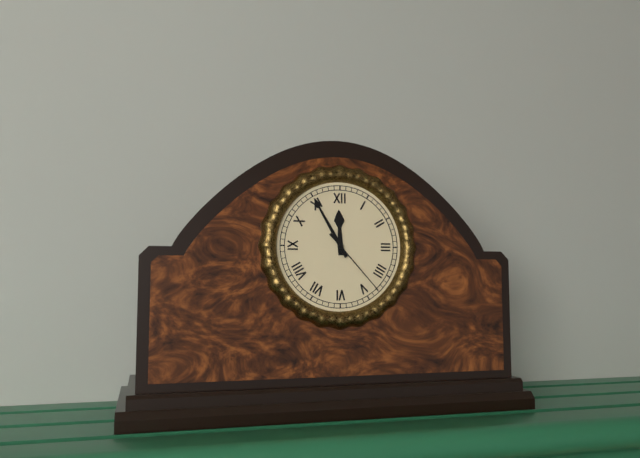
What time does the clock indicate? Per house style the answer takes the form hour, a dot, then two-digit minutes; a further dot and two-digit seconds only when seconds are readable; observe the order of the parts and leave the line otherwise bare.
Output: 11.55.23
